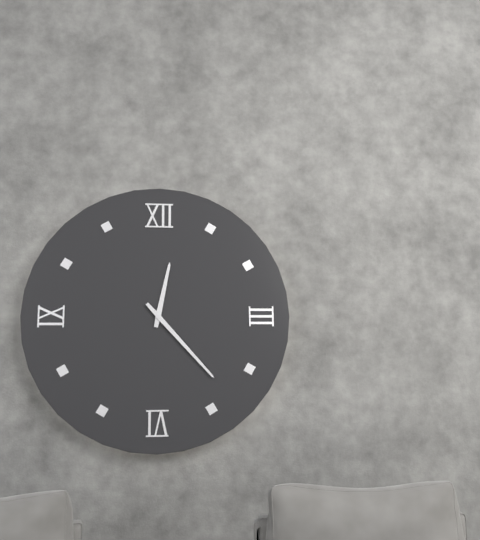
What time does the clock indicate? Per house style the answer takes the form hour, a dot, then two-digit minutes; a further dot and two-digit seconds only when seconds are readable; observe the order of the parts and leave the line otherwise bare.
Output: 12.23
